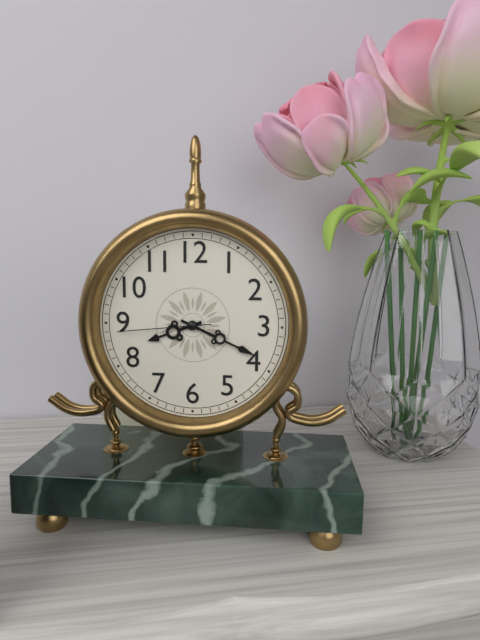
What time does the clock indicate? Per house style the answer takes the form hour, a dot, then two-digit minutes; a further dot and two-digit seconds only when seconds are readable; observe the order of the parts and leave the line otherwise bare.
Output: 8.19.44
